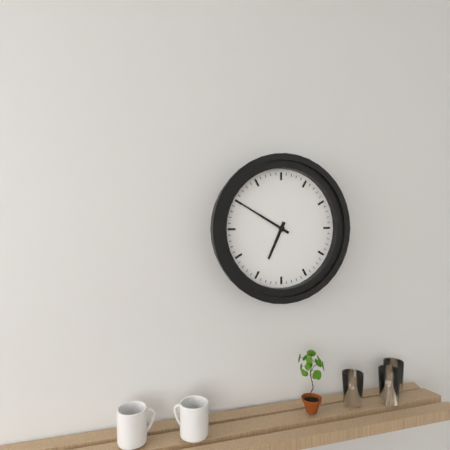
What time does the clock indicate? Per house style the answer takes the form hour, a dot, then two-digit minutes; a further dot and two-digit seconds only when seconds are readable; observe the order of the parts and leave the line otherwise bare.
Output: 6.50
